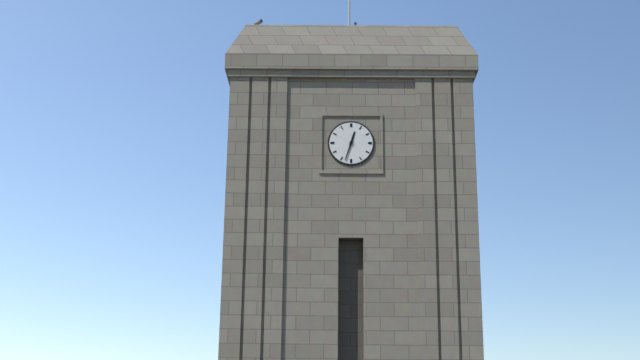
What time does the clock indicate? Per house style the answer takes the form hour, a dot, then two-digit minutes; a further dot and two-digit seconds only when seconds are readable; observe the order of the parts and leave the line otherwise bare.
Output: 12.33
